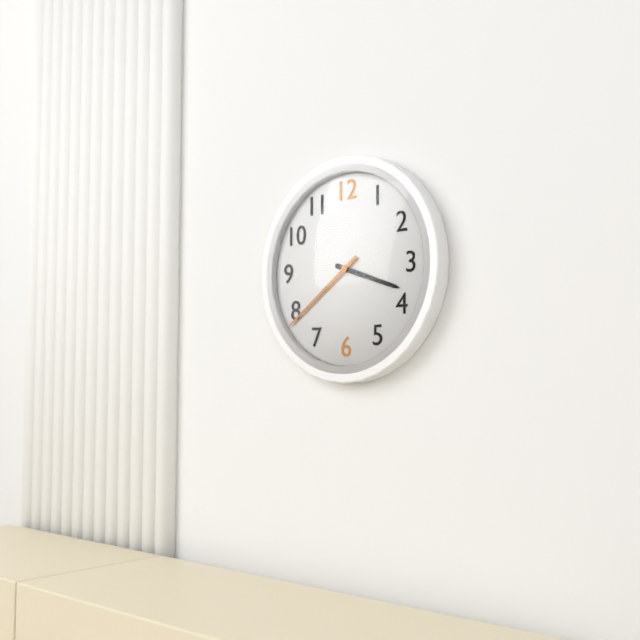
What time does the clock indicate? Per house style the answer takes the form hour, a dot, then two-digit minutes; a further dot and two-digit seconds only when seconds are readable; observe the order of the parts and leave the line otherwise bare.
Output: 3.39
